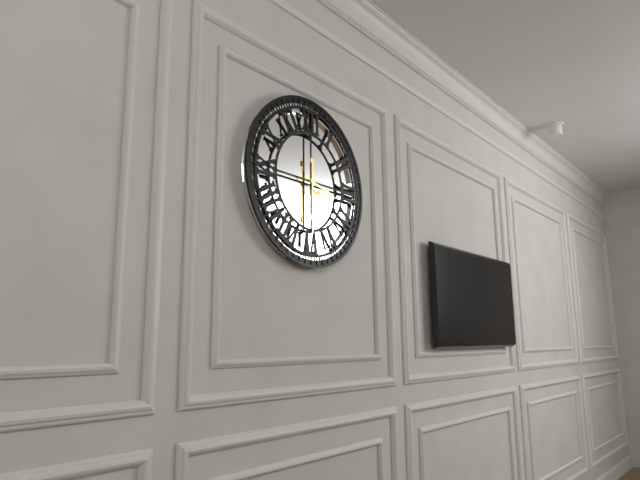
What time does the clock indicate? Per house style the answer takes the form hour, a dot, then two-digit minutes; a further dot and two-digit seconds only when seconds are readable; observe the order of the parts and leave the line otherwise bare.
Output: 3.30
